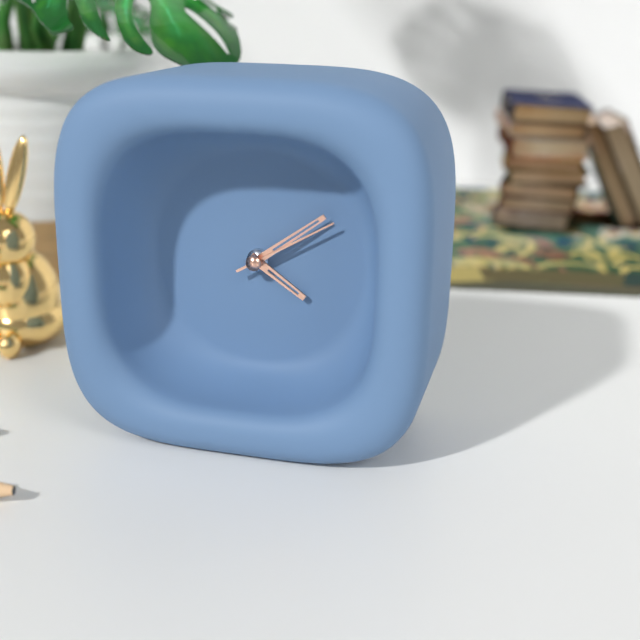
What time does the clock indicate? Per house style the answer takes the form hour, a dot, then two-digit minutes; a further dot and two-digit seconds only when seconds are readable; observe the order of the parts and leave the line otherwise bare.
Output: 4.09.10
